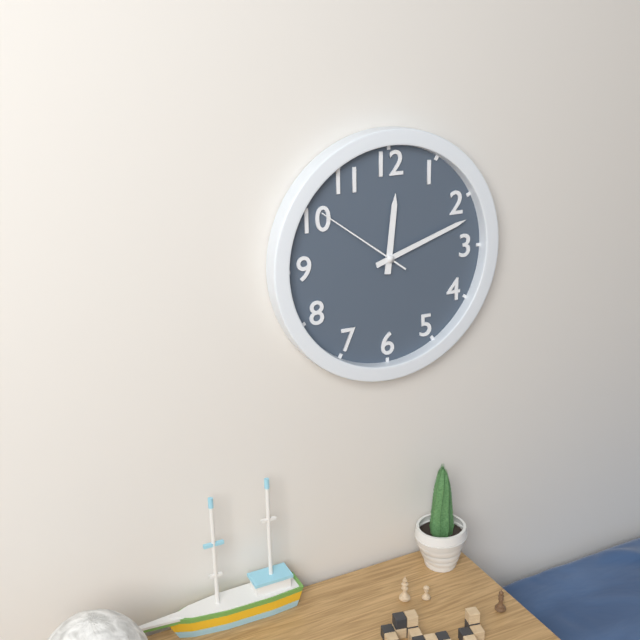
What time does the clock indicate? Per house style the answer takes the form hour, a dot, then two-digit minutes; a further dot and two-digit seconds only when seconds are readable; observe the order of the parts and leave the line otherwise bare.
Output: 12.12.51
